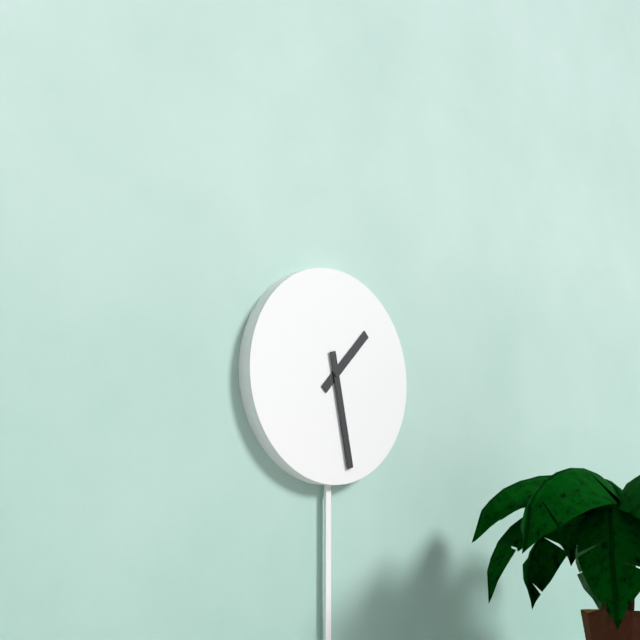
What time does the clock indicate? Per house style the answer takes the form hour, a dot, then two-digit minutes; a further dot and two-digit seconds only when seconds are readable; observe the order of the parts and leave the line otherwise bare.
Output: 1.28
